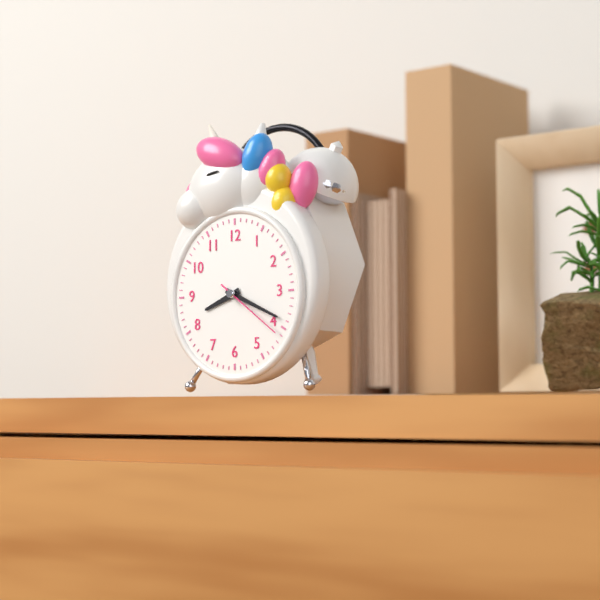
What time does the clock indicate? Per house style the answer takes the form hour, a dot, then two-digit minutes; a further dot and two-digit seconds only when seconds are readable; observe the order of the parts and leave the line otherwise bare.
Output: 8.19.21
